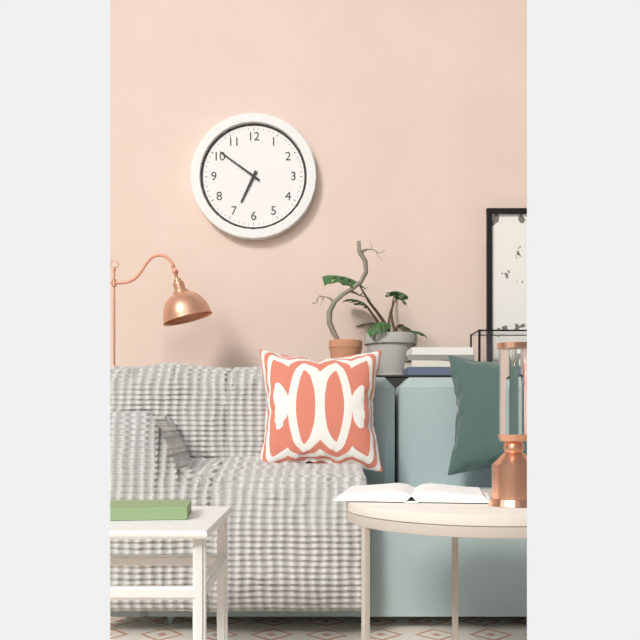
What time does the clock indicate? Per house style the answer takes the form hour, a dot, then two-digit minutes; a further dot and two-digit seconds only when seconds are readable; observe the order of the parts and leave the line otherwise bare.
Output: 6.51
